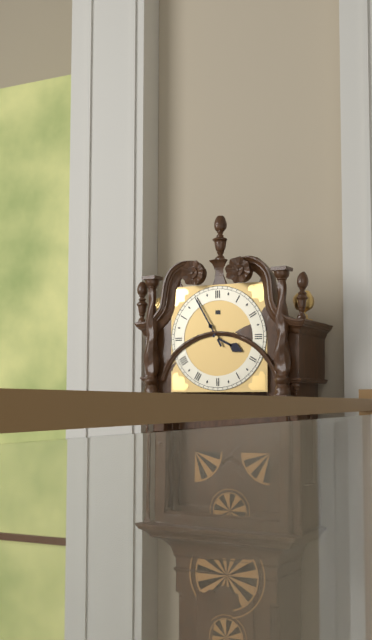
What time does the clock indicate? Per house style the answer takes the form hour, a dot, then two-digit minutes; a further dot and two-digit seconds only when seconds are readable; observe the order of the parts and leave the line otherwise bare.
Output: 3.55
